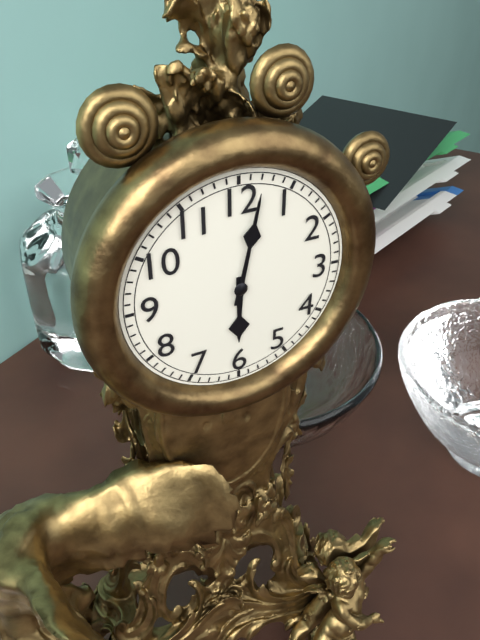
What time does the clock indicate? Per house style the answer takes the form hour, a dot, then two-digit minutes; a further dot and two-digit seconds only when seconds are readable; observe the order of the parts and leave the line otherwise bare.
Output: 6.02
